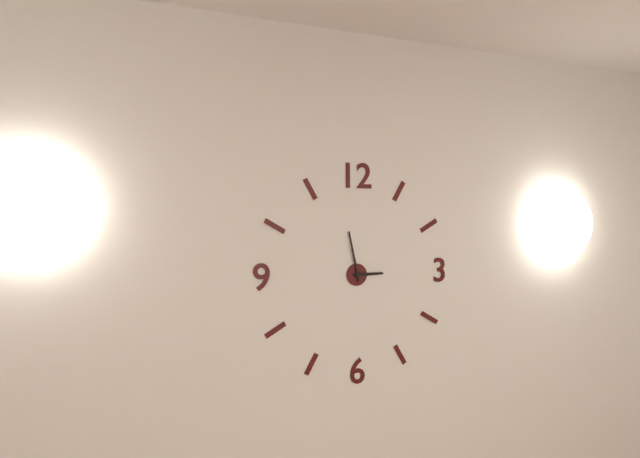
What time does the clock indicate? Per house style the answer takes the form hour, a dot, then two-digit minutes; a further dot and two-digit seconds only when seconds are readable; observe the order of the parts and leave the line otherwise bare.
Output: 2.58
